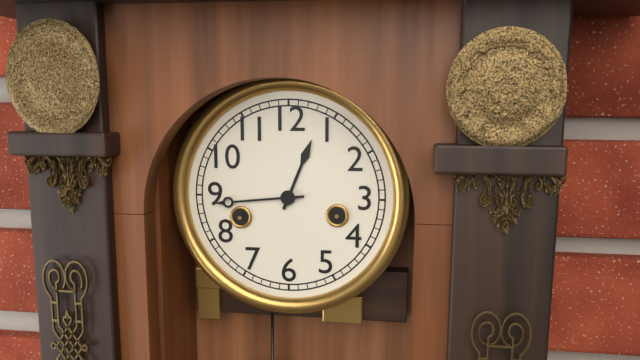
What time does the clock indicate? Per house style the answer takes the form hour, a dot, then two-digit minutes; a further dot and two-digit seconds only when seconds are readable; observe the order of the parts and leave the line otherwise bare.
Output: 12.44
